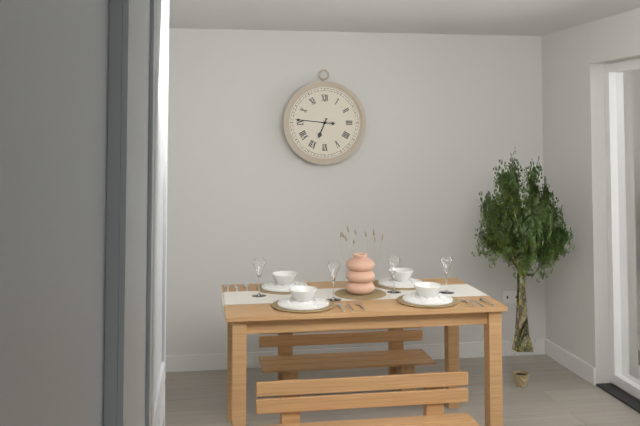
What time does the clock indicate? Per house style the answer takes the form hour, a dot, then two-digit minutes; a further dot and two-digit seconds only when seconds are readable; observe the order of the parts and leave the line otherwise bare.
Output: 6.46
